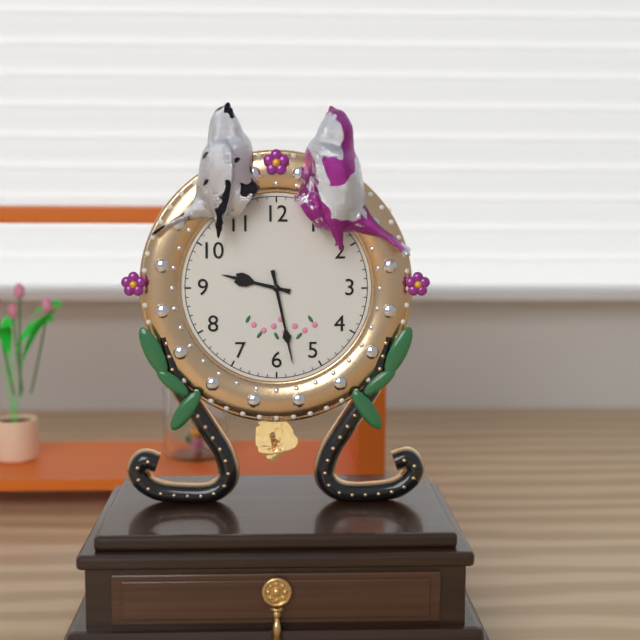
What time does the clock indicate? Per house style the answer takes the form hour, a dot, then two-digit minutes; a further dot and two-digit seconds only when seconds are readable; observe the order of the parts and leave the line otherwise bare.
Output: 9.28
